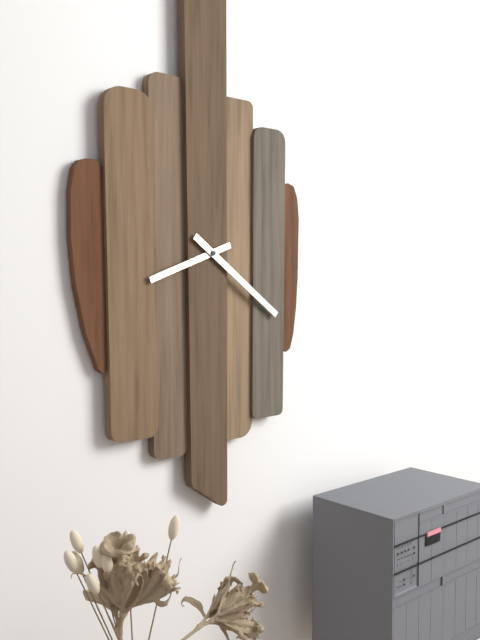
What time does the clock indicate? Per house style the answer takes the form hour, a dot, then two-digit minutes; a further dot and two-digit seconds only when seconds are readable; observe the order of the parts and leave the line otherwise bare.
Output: 8.21
